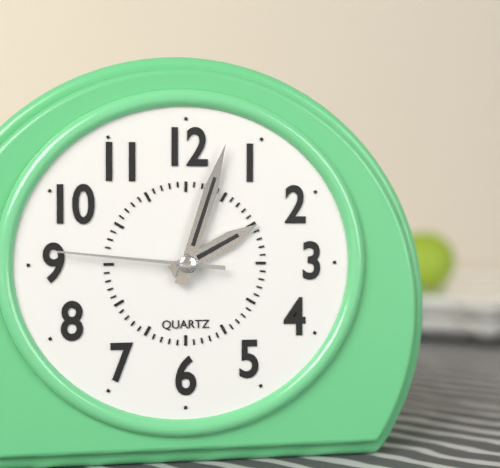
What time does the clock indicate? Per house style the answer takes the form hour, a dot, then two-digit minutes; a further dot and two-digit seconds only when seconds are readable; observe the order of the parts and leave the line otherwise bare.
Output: 2.03.46
